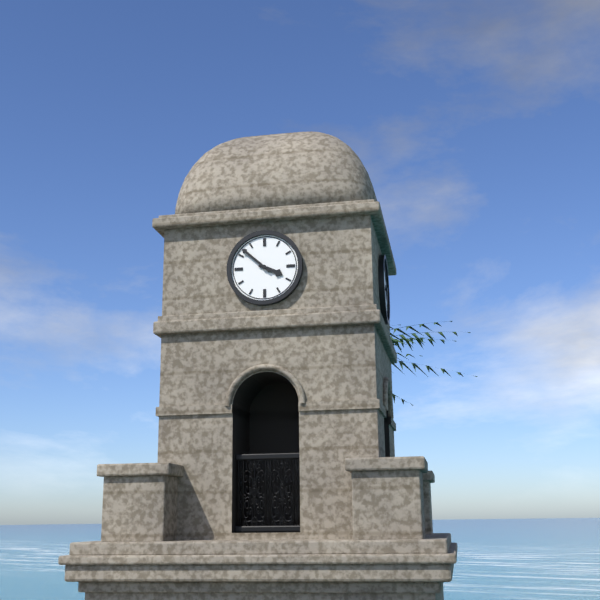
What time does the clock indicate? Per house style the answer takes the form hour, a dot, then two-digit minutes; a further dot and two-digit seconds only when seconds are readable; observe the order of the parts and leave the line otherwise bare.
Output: 3.52
